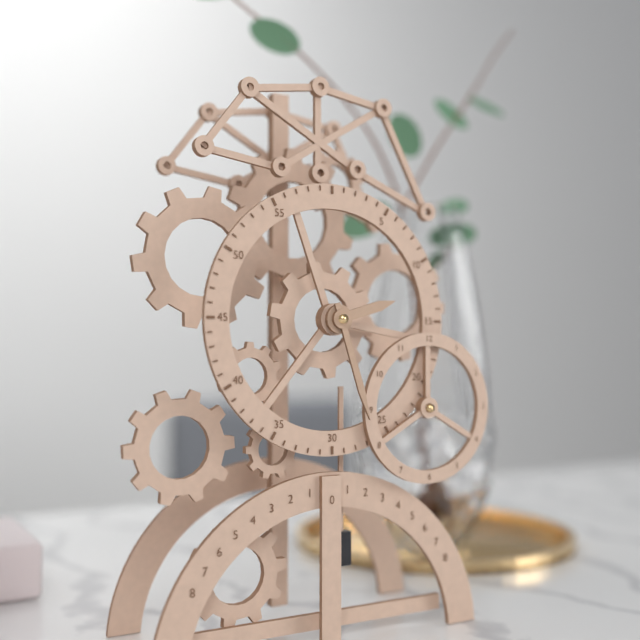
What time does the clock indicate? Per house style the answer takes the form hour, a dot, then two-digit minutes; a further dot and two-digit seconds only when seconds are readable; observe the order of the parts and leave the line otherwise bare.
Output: 2.27
